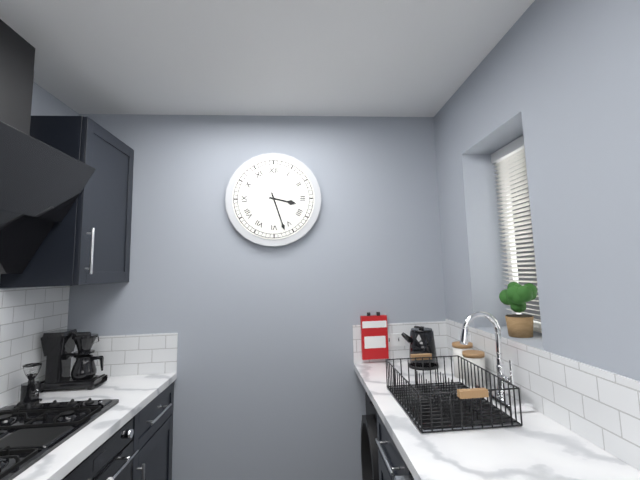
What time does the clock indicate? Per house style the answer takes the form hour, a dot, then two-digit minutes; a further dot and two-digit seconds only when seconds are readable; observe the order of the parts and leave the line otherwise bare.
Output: 3.27
